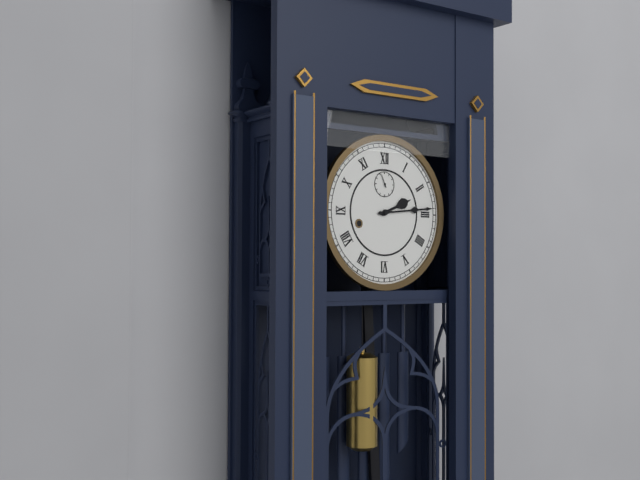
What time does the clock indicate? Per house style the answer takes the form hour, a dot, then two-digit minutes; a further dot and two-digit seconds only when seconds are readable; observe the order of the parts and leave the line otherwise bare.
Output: 2.14
